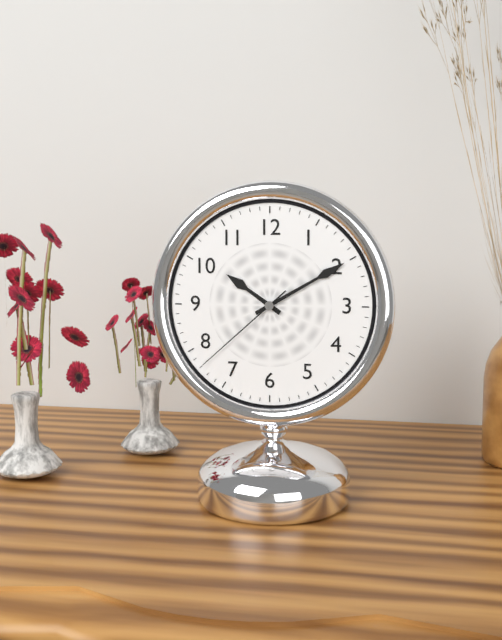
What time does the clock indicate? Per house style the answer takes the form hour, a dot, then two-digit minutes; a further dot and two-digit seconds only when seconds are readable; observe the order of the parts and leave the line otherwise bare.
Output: 10.10.38
